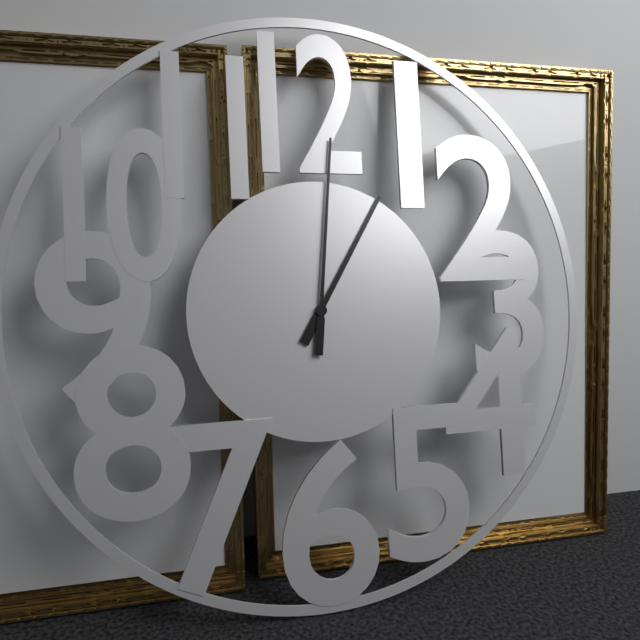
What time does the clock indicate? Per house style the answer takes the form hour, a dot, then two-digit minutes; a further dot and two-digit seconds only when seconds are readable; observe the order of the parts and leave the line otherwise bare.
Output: 1.01
